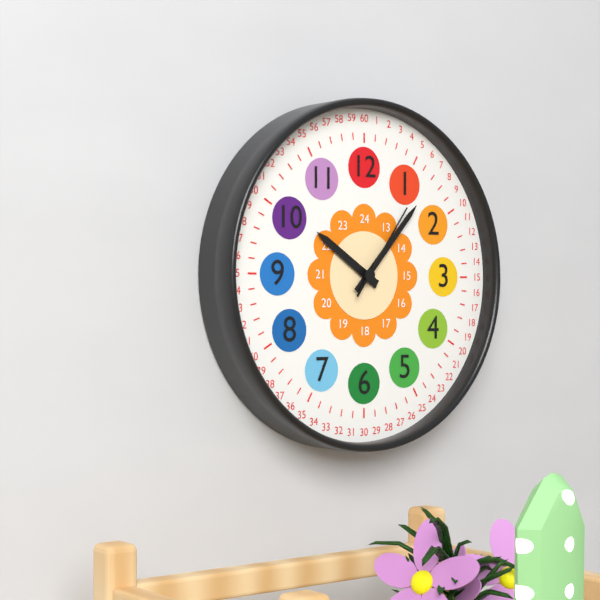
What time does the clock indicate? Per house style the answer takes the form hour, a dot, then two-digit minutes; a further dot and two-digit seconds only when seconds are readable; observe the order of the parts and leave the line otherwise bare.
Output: 10.07.06
